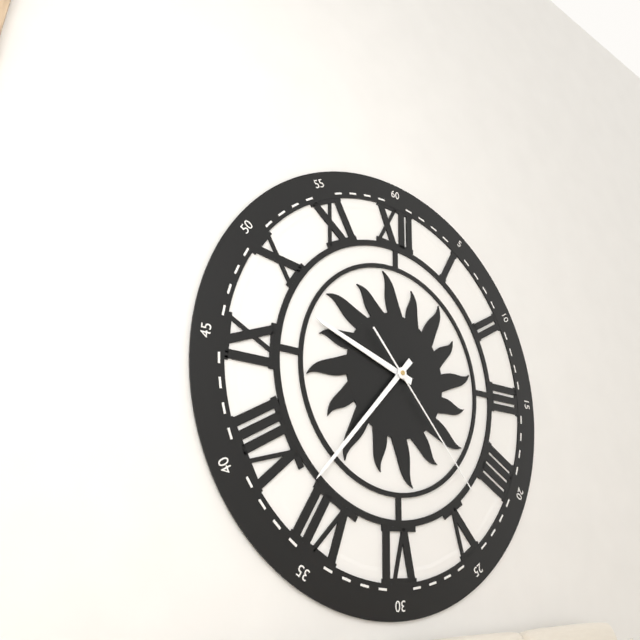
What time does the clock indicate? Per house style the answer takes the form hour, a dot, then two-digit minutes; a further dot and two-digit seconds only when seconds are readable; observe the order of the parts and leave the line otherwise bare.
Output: 9.37.23
